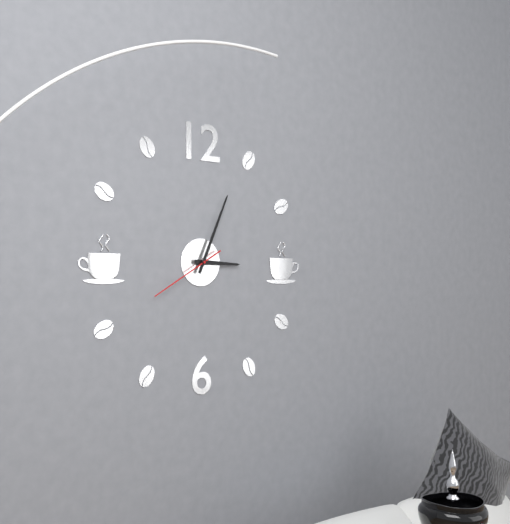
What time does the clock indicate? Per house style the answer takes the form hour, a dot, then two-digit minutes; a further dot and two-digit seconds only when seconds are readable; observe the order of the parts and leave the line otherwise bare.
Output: 3.04.40
